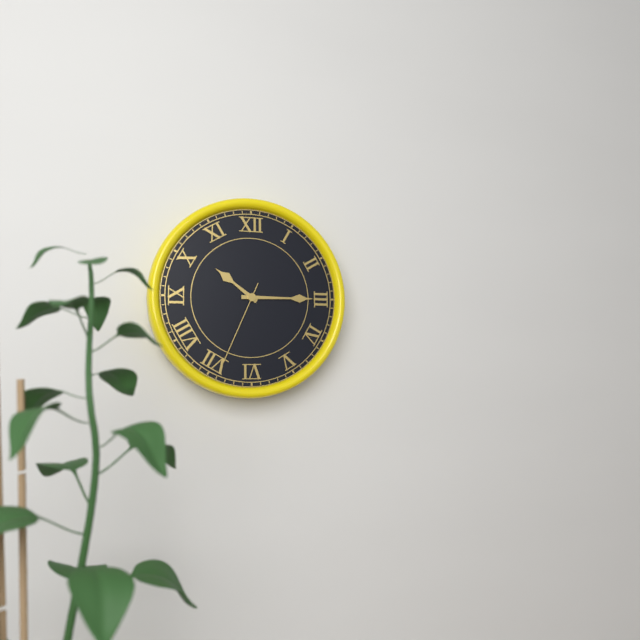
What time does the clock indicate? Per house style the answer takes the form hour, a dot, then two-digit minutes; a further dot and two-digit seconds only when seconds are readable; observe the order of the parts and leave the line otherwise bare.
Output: 10.15.34
